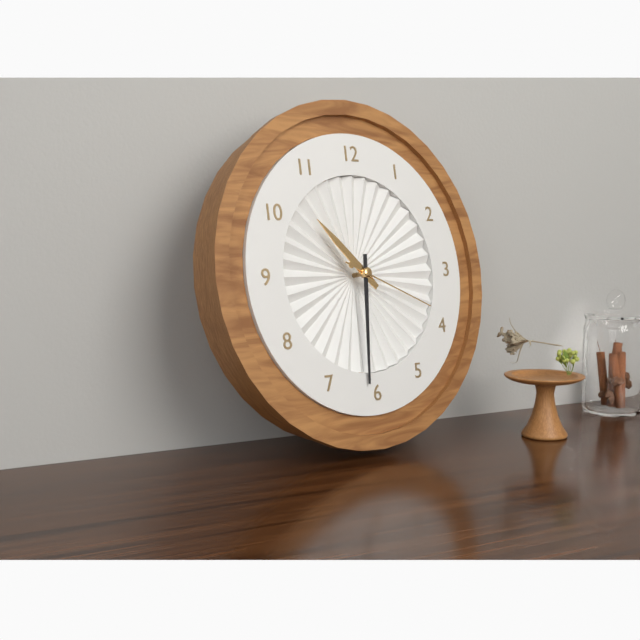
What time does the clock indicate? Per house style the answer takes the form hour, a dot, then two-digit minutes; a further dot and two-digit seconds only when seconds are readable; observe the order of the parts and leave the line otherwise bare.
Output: 10.31.19
